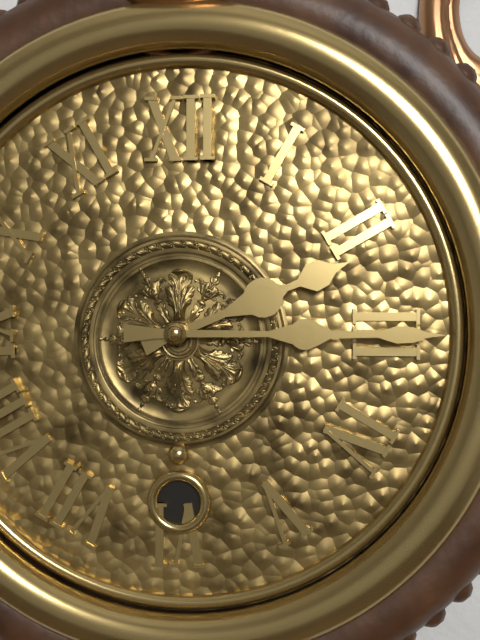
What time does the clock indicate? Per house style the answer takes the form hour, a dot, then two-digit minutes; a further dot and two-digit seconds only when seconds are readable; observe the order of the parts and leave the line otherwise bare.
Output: 2.15
